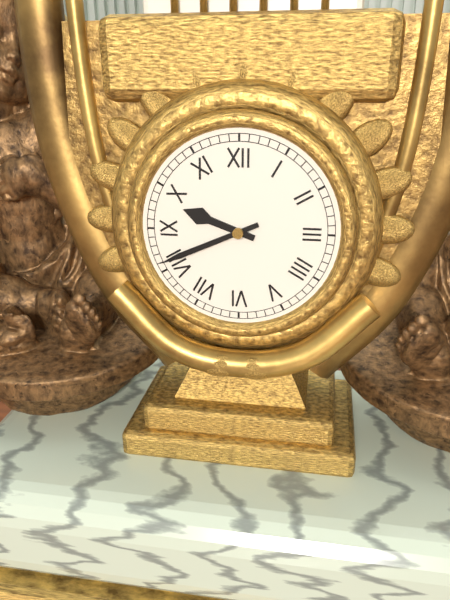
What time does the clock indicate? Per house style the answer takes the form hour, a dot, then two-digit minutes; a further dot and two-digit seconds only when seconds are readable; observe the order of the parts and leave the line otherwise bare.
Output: 9.41
